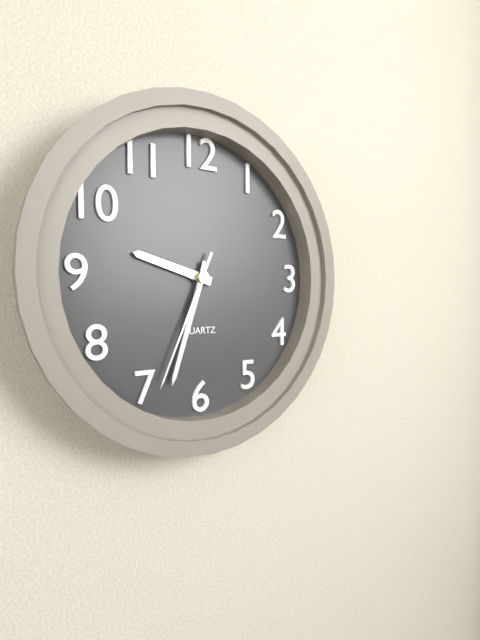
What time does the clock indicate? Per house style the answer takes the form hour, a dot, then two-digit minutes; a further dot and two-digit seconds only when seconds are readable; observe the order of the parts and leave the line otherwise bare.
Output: 9.33.34
